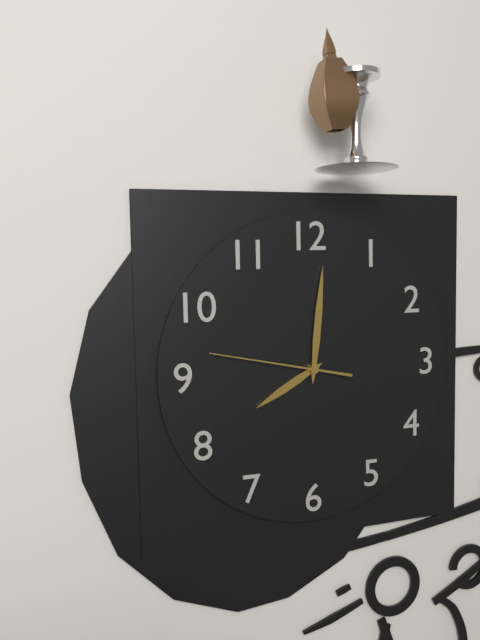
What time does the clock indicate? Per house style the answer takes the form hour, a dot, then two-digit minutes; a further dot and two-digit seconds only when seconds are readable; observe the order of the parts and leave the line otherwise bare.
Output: 8.01.47
